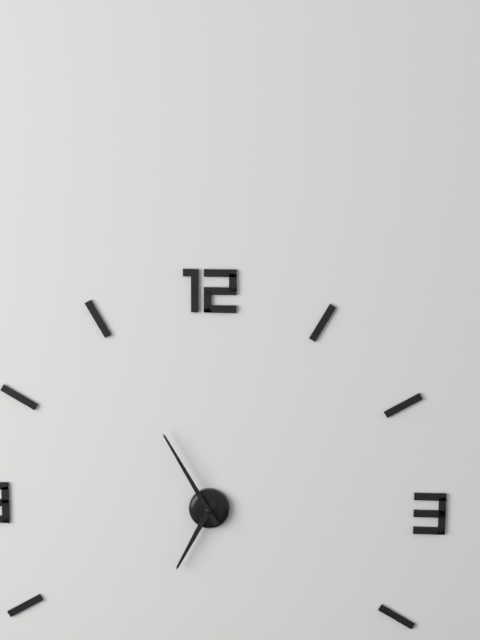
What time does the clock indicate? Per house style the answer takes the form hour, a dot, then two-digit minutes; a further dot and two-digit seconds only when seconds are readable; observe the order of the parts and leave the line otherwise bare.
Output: 6.55
